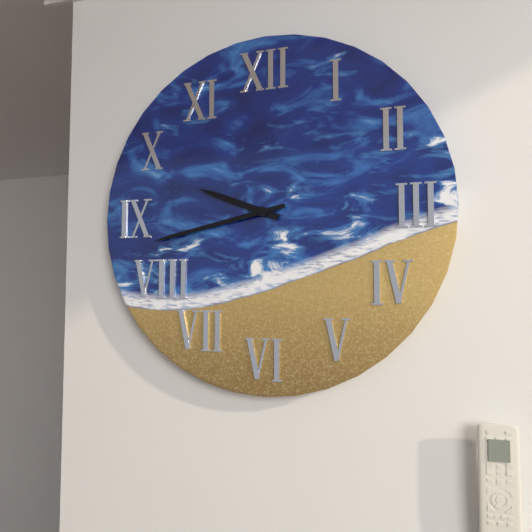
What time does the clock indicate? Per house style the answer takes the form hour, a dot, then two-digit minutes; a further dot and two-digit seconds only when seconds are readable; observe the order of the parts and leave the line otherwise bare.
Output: 9.43
